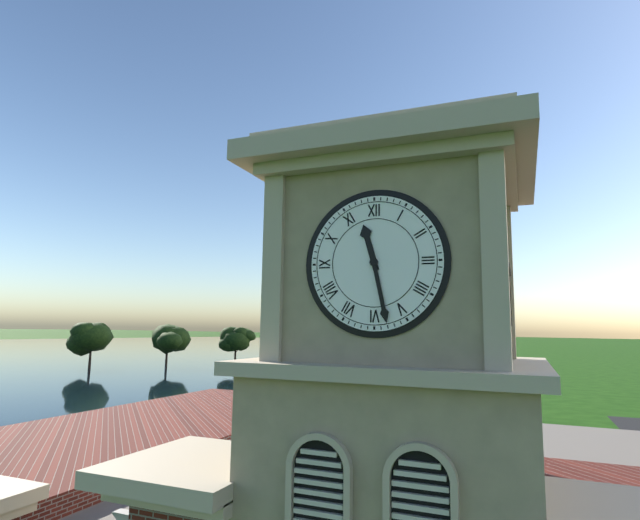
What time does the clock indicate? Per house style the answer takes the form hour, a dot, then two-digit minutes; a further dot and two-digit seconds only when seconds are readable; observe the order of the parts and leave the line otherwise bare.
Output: 11.28
